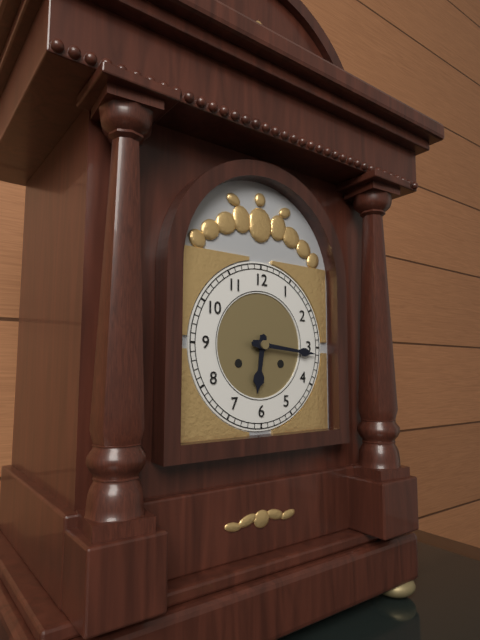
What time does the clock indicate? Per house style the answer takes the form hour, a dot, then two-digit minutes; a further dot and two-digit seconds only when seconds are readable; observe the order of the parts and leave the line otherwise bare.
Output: 6.16
